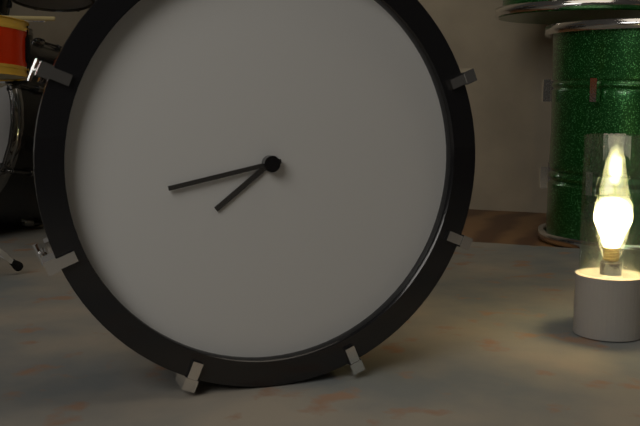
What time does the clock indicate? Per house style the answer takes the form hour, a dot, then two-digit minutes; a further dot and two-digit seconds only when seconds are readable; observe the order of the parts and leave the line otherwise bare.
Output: 7.43
